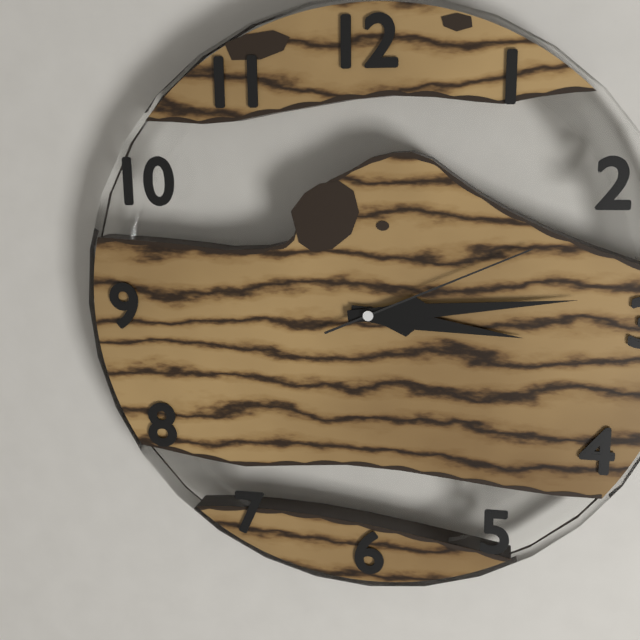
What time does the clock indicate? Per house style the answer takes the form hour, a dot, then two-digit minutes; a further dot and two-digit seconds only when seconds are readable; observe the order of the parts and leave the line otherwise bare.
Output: 3.14.11
